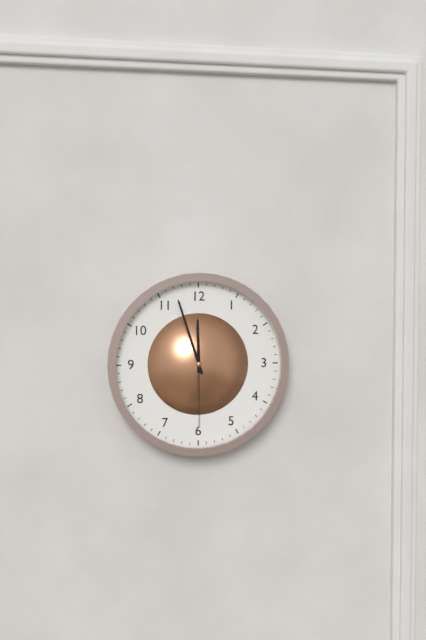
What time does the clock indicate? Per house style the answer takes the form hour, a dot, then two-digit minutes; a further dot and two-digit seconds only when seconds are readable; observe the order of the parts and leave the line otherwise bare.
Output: 11.57.30
